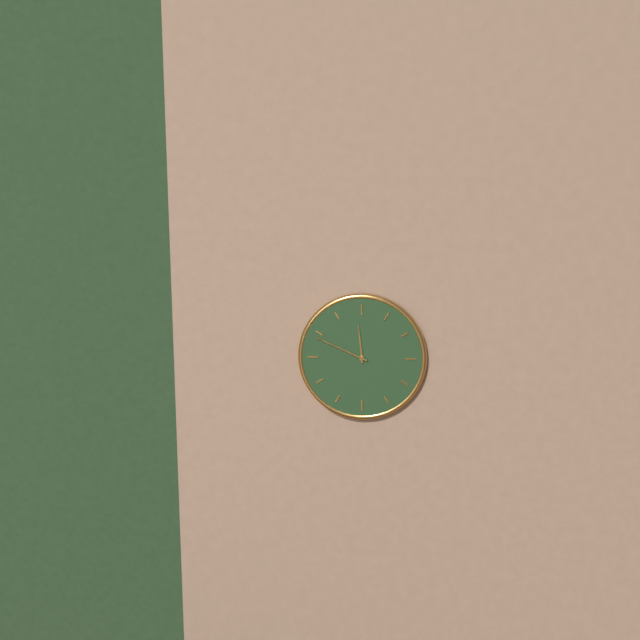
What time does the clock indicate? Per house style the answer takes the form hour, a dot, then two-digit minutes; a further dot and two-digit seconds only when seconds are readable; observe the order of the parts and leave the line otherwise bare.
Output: 11.49
